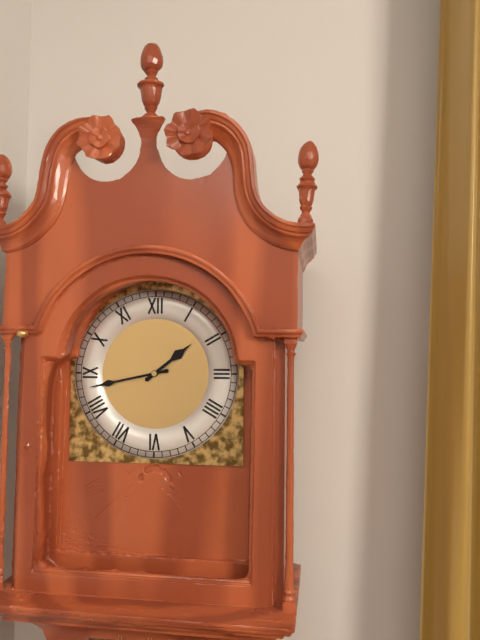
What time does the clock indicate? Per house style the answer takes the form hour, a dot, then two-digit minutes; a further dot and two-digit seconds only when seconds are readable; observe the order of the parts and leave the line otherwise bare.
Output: 1.43
